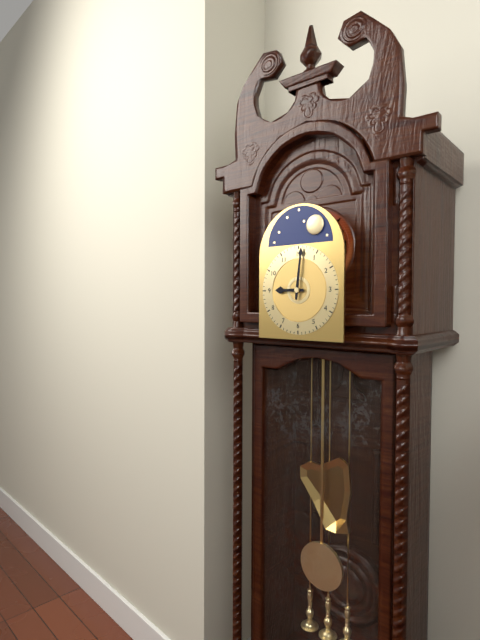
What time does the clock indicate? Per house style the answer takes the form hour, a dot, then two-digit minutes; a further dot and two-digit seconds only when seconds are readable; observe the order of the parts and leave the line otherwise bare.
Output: 9.01
